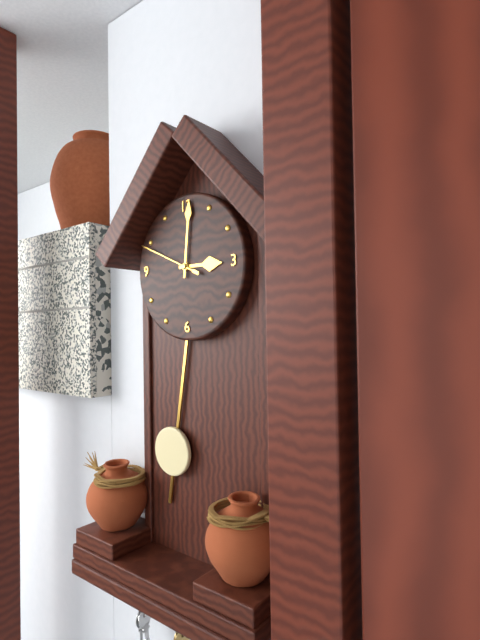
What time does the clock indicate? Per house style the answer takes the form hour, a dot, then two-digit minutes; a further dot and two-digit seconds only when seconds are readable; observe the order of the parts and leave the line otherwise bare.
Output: 3.01.49
